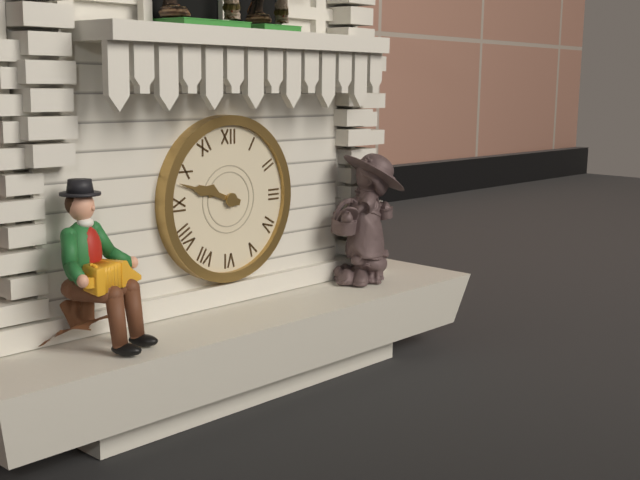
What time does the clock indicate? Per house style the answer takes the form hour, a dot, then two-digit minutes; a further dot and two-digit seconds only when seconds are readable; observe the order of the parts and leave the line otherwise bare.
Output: 9.48
